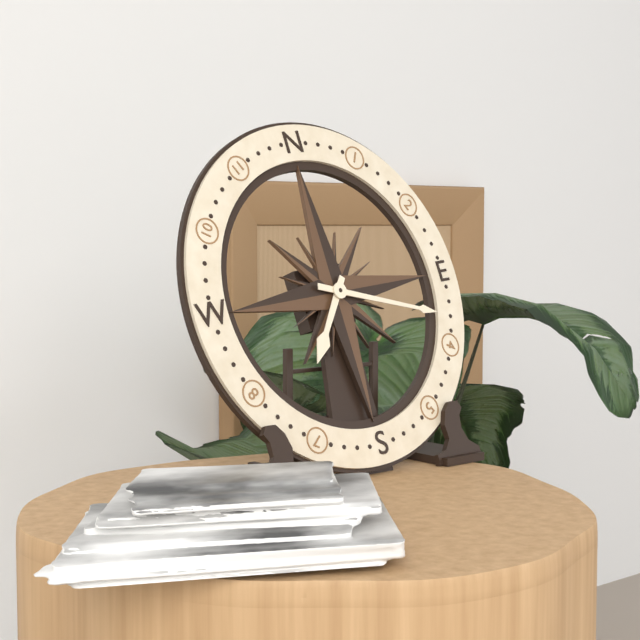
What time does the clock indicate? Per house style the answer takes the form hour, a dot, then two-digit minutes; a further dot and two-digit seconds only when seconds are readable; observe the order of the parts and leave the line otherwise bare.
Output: 7.18
